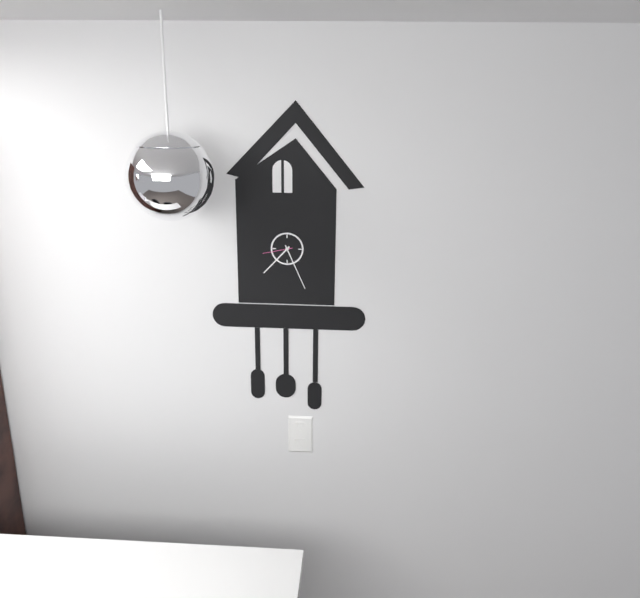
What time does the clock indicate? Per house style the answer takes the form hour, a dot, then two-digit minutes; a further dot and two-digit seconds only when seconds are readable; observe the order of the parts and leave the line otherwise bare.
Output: 7.26
